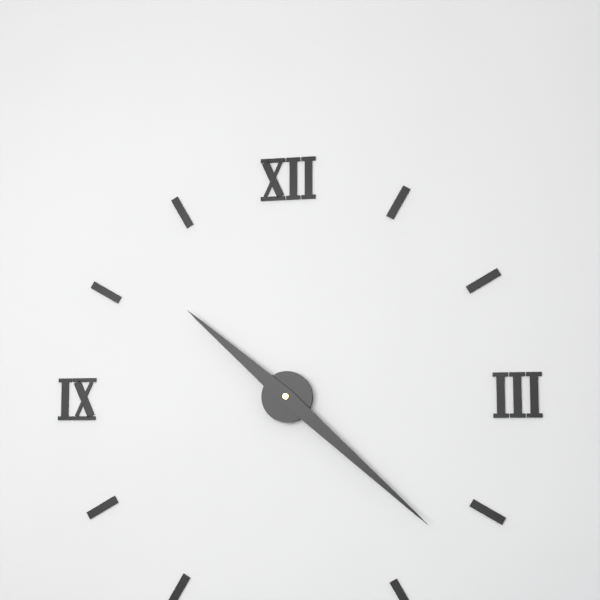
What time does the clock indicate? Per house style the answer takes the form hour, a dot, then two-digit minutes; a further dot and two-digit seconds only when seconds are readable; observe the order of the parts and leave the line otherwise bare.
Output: 10.22
